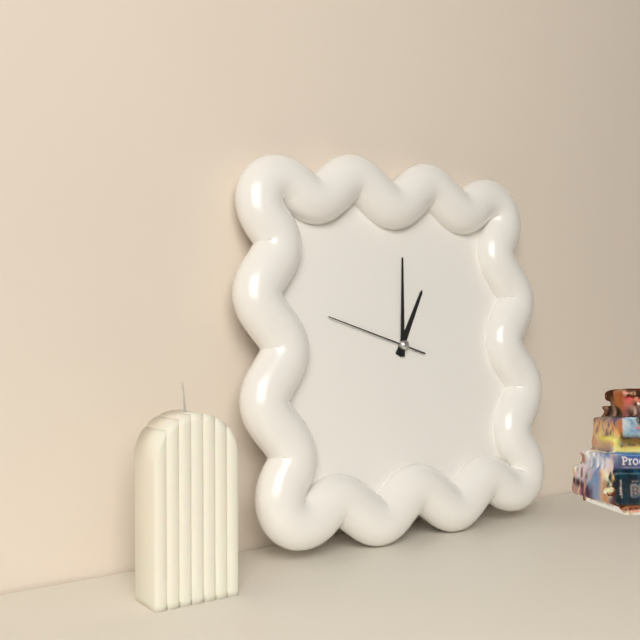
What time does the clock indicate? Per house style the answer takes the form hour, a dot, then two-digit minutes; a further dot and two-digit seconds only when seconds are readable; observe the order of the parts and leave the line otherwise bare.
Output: 1.01.48
